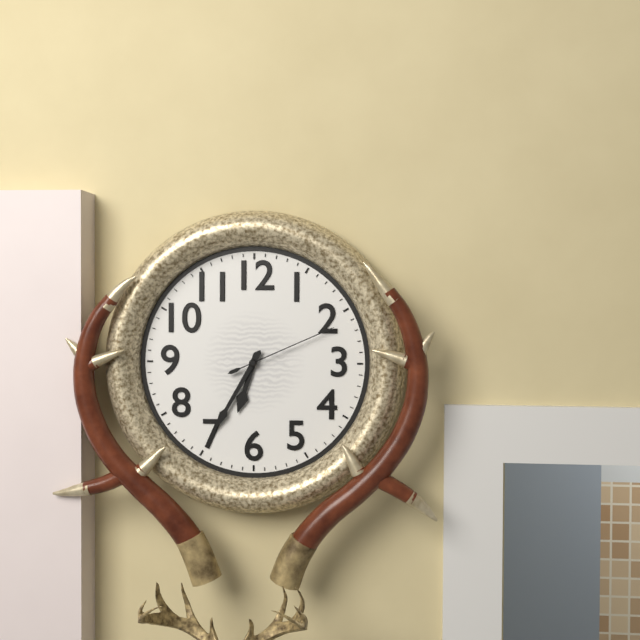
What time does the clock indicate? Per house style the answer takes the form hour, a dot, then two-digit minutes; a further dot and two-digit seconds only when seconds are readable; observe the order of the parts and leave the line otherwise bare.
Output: 6.35.11
